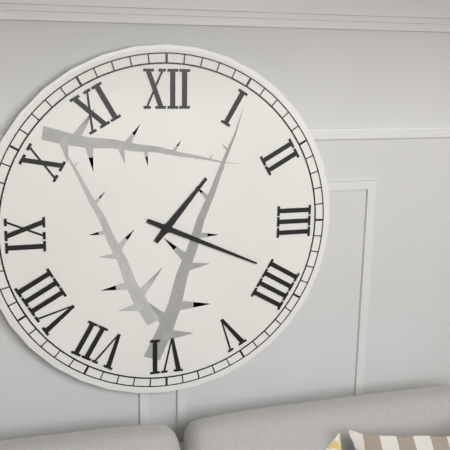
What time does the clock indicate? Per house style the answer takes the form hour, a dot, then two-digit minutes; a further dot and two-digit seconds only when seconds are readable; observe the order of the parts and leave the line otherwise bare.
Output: 1.19
